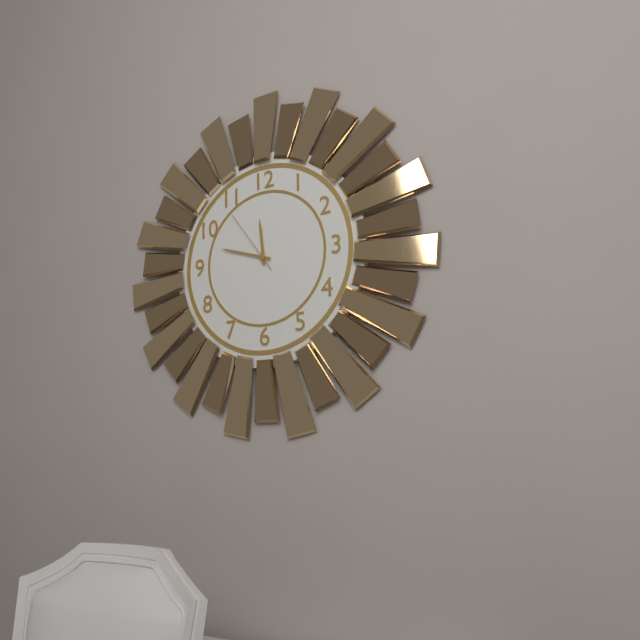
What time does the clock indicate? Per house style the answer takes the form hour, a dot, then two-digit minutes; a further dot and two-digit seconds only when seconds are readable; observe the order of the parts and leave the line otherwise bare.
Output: 11.48.54
